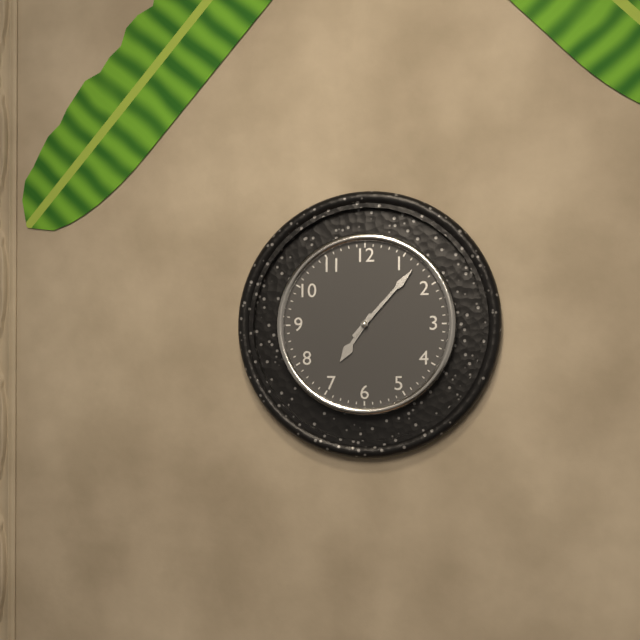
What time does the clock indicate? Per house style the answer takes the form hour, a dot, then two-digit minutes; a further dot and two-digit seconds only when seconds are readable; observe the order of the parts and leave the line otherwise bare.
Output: 7.07
